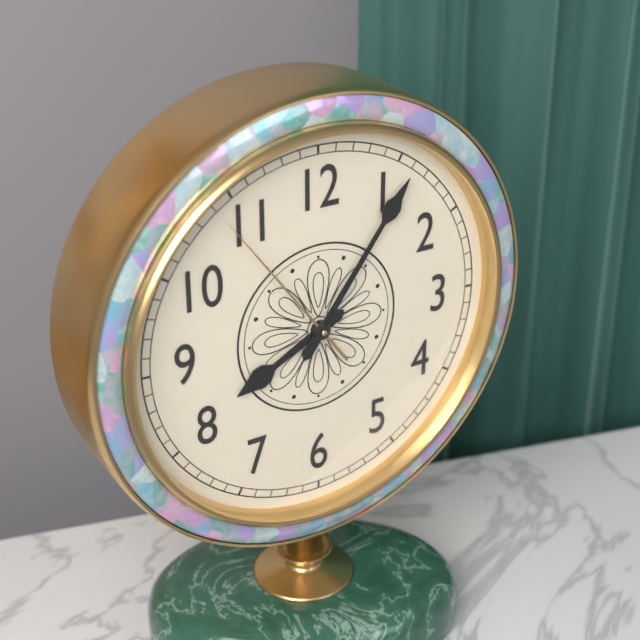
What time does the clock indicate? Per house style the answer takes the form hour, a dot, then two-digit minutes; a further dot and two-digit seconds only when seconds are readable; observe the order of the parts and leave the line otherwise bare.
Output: 8.06.54
